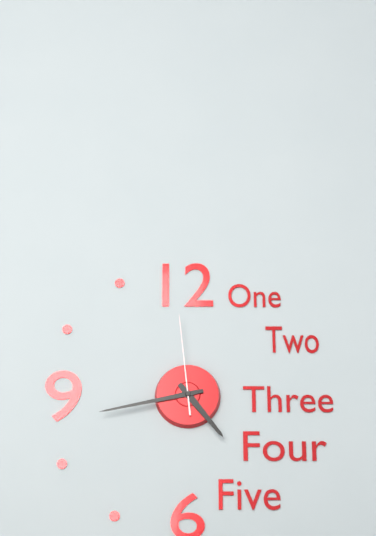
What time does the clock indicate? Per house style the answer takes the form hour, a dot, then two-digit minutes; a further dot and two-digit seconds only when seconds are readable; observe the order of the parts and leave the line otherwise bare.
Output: 4.43.59
